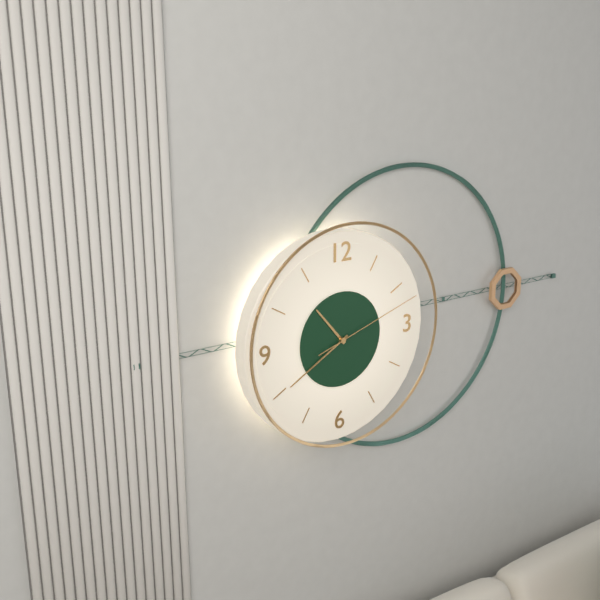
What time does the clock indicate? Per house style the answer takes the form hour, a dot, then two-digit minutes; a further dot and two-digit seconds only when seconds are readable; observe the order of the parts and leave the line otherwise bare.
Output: 10.40.12
